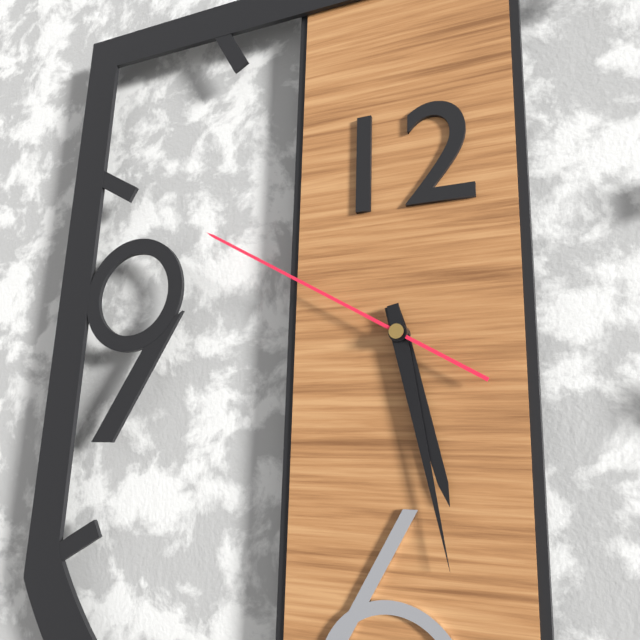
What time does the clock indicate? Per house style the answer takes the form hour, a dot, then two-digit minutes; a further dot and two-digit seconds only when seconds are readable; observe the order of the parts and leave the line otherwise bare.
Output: 5.28.50
